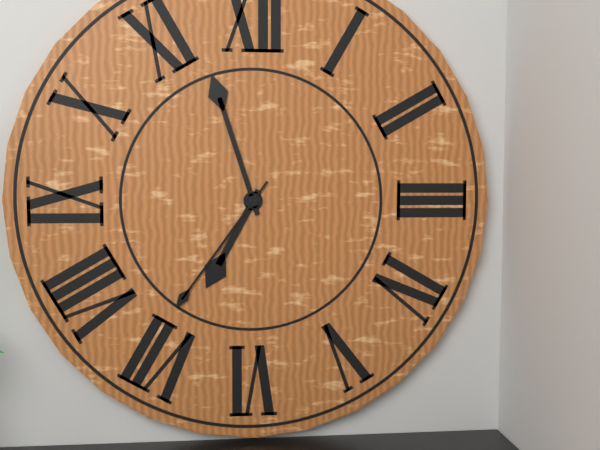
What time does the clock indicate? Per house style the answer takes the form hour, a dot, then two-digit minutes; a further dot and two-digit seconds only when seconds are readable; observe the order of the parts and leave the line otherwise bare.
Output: 6.57.36
